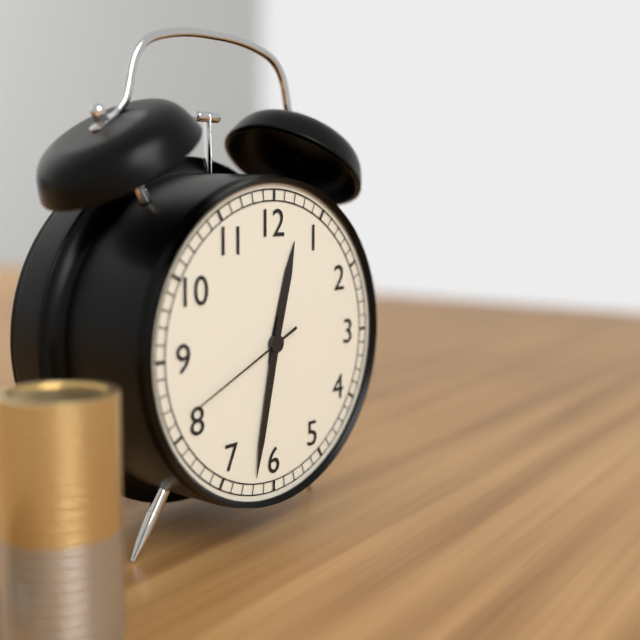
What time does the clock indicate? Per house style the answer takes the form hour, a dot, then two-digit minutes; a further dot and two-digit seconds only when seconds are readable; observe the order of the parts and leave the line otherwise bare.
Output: 12.32.41
